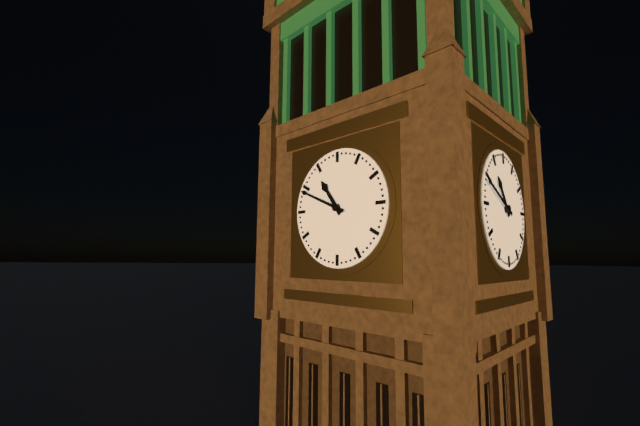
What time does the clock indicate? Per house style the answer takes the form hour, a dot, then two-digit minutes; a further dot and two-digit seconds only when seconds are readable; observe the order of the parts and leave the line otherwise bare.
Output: 10.49
